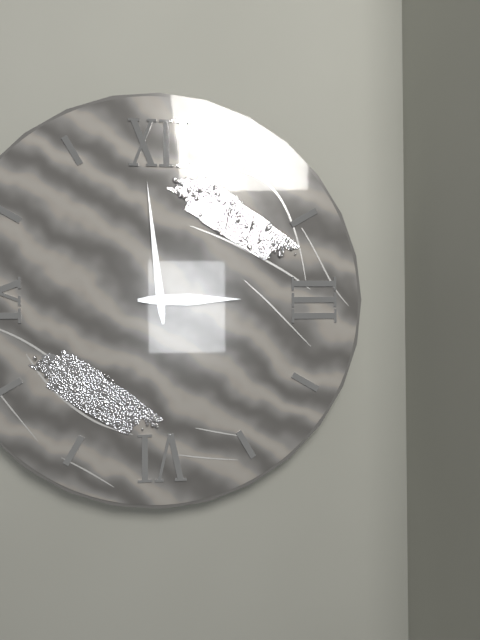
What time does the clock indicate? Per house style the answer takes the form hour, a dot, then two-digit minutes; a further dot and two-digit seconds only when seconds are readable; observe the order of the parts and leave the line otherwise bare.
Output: 2.59
